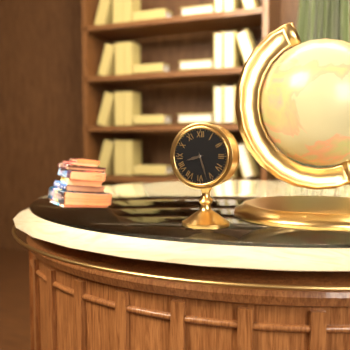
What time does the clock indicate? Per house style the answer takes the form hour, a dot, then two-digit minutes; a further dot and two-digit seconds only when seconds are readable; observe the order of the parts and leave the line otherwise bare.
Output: 8.27
